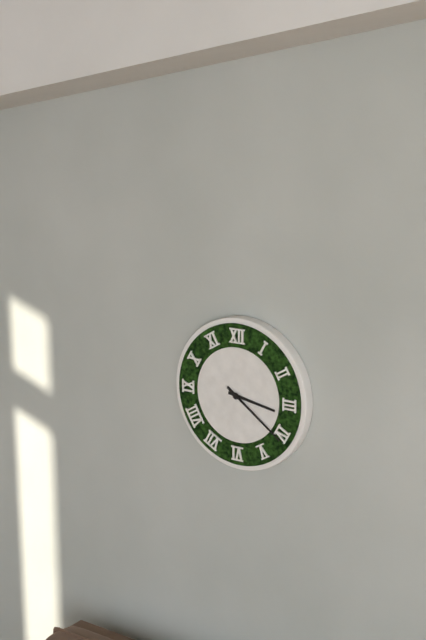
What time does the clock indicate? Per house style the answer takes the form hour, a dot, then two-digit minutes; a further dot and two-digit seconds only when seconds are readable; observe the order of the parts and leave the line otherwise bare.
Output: 3.21
